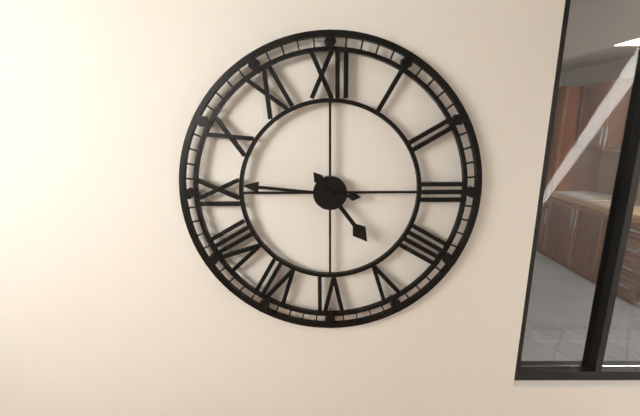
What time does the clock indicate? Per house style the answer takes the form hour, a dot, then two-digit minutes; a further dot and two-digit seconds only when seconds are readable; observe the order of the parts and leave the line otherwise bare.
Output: 4.46
